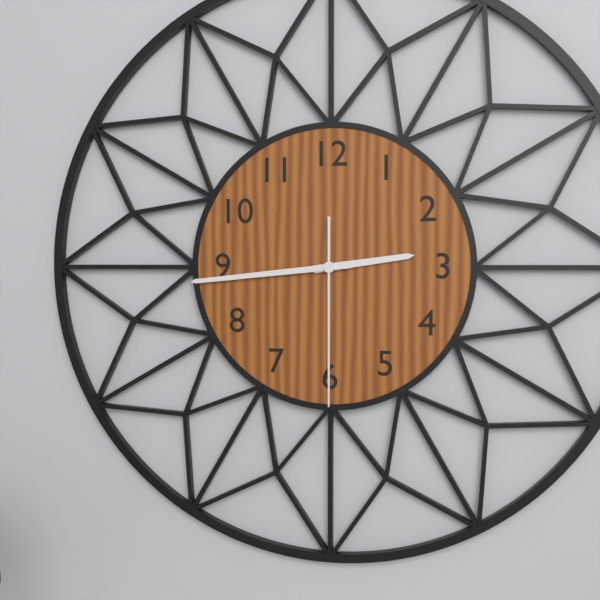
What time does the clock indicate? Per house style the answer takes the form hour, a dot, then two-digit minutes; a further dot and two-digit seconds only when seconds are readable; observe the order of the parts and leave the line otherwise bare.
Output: 2.44.30
